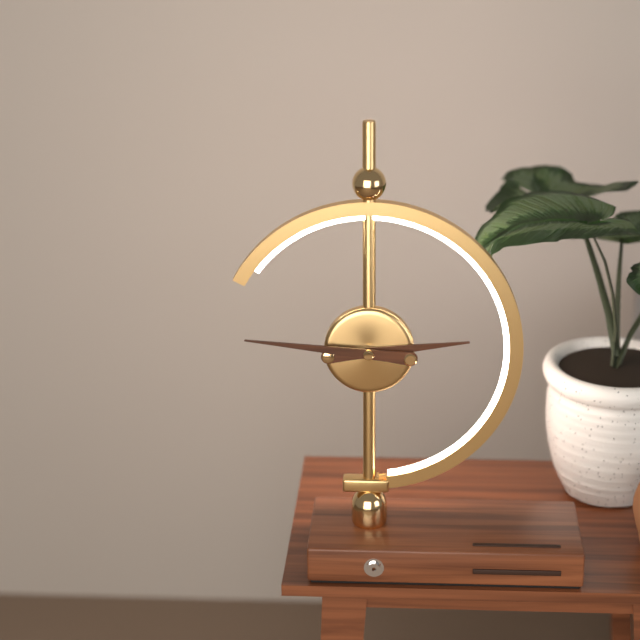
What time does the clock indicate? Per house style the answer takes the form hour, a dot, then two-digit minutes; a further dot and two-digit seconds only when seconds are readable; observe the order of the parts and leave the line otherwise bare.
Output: 2.46
